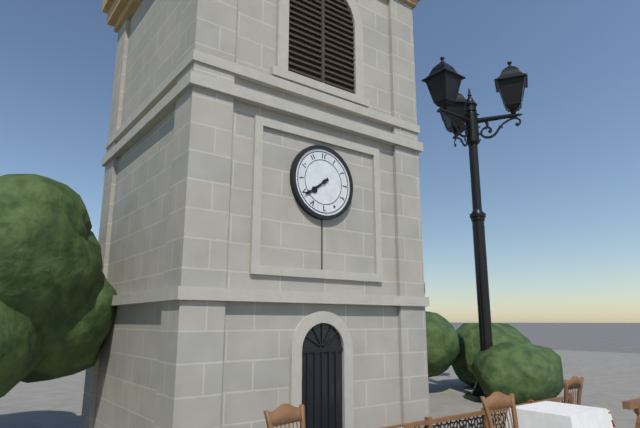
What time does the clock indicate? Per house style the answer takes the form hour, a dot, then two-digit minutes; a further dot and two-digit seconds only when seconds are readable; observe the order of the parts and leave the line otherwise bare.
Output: 7.39
